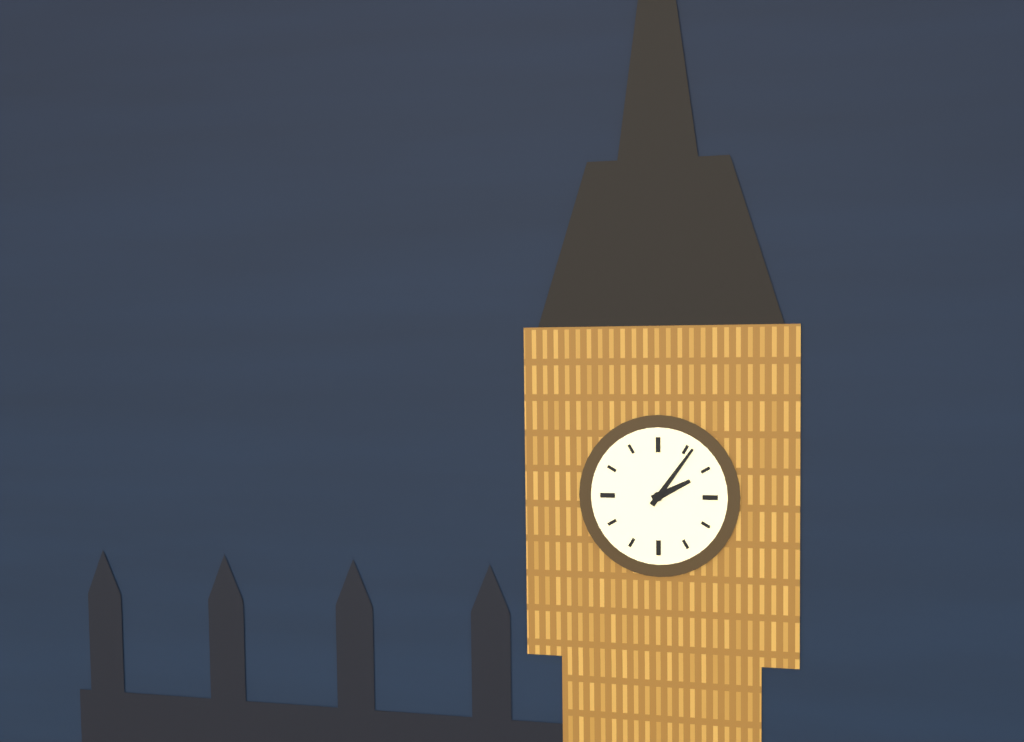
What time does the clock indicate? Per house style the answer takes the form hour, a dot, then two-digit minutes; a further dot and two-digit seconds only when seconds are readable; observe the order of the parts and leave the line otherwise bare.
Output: 2.06
